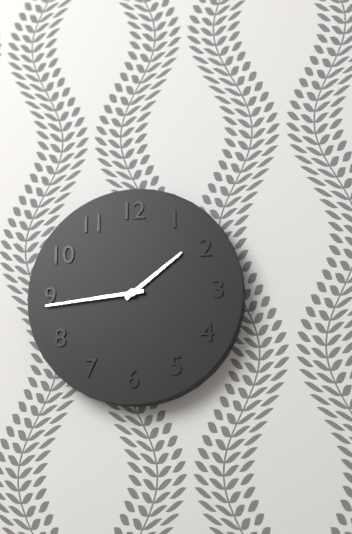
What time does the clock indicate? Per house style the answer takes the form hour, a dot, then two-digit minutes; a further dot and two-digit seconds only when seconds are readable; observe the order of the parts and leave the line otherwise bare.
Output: 1.44
